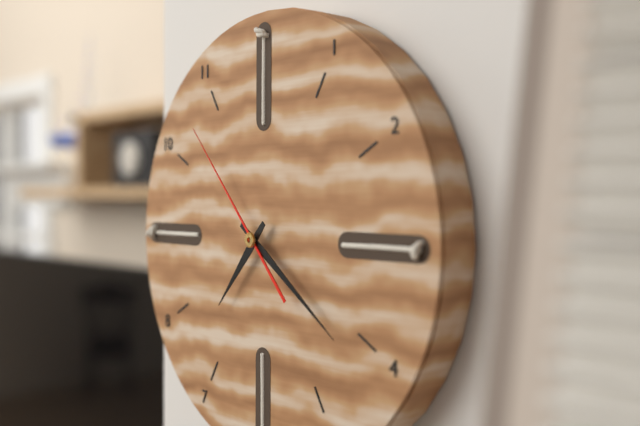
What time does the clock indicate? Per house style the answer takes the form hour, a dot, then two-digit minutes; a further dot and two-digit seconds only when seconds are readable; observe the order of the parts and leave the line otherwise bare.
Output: 7.21.53
